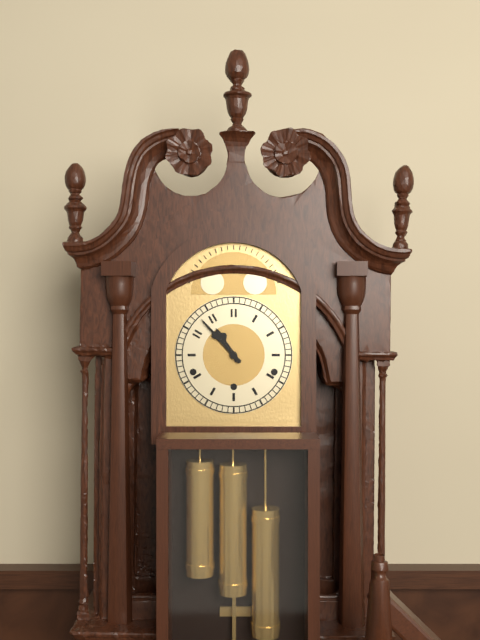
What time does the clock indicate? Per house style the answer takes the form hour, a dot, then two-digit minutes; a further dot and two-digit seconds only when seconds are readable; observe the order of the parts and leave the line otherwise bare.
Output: 10.53
